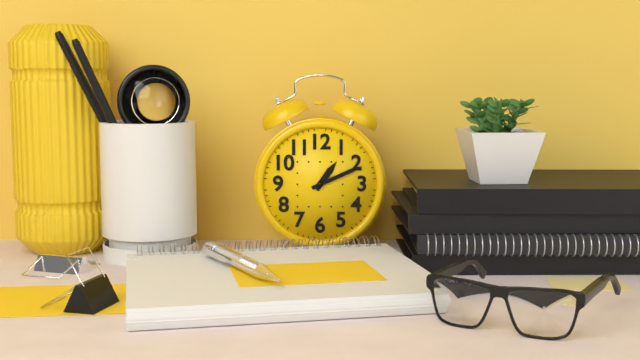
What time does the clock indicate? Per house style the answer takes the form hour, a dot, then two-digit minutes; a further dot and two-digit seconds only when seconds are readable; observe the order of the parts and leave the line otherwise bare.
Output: 1.11
